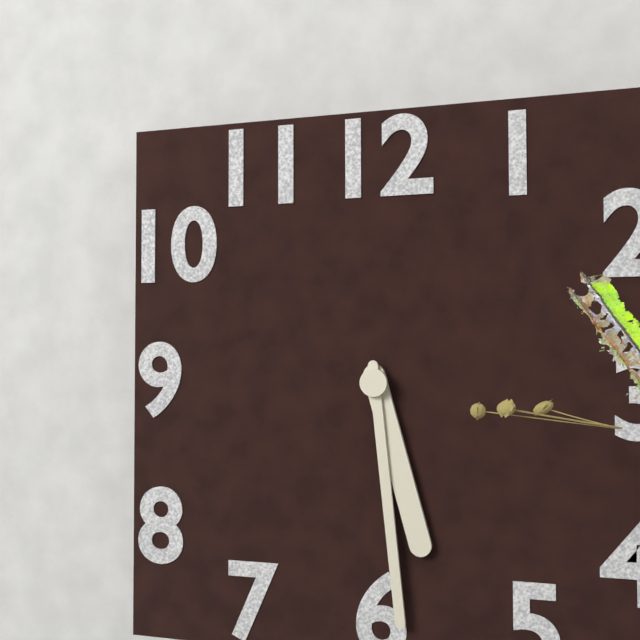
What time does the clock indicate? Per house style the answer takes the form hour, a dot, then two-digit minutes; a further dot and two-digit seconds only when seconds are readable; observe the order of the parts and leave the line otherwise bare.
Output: 5.29
